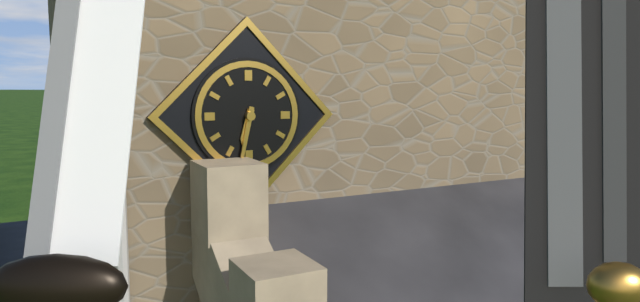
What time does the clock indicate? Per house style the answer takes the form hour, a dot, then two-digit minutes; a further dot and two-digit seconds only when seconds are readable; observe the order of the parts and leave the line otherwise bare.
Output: 6.32
